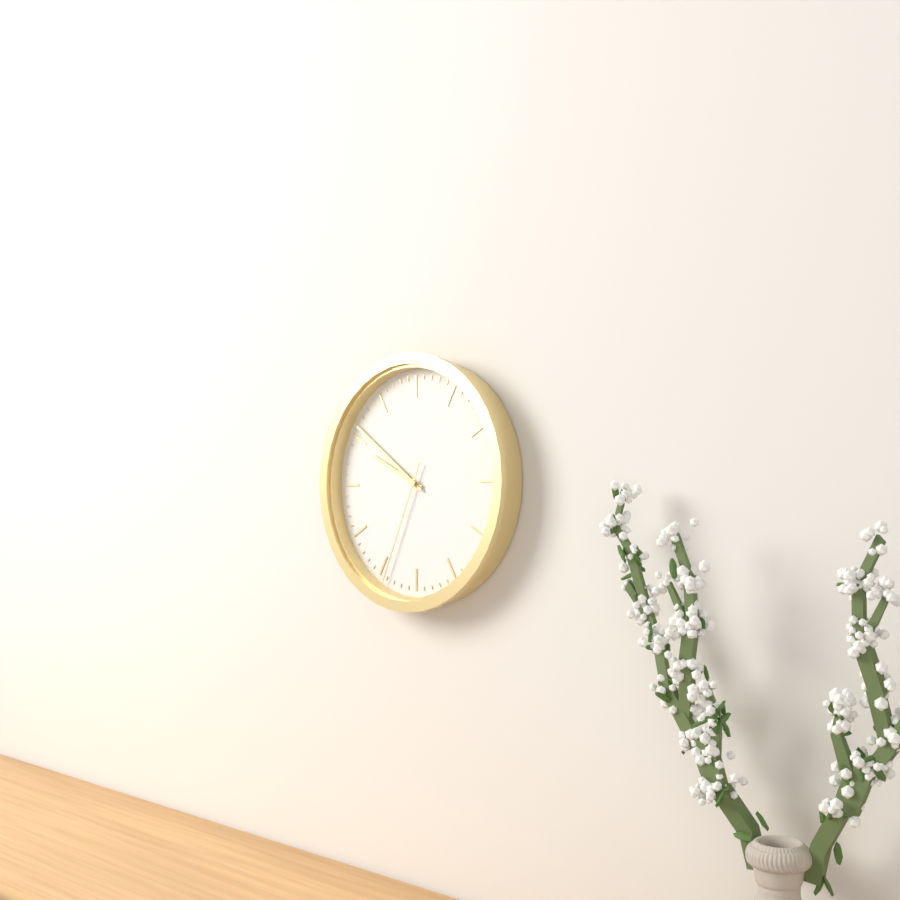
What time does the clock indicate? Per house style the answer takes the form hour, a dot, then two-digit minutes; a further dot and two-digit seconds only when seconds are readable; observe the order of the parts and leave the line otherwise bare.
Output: 9.51.34
